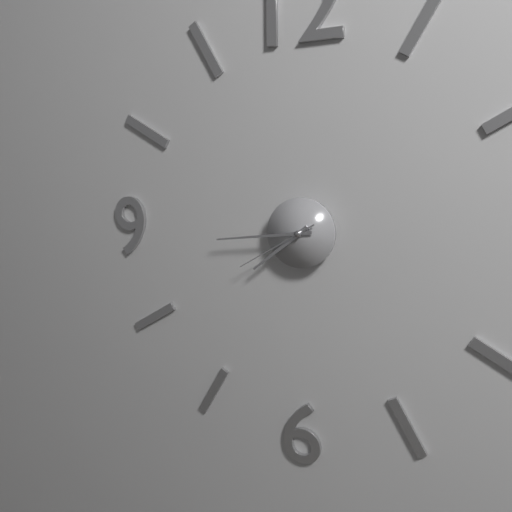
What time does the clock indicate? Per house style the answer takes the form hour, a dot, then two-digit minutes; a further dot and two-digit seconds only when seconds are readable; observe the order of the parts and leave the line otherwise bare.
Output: 7.44.40
